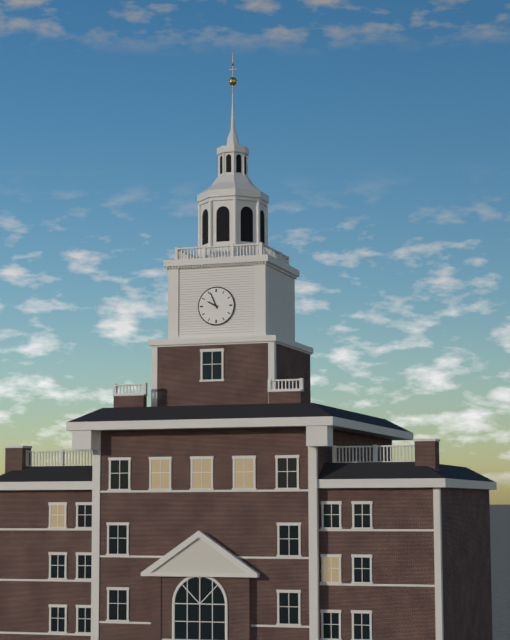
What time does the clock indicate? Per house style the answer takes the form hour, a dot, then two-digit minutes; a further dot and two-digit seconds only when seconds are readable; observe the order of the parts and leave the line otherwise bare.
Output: 9.56
